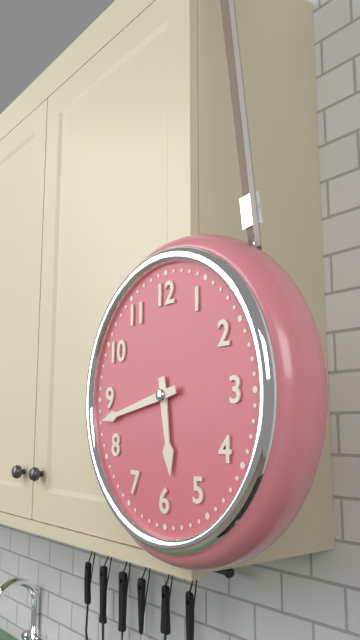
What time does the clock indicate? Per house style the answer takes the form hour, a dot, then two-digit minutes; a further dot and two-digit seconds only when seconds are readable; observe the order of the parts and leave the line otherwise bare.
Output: 5.43
